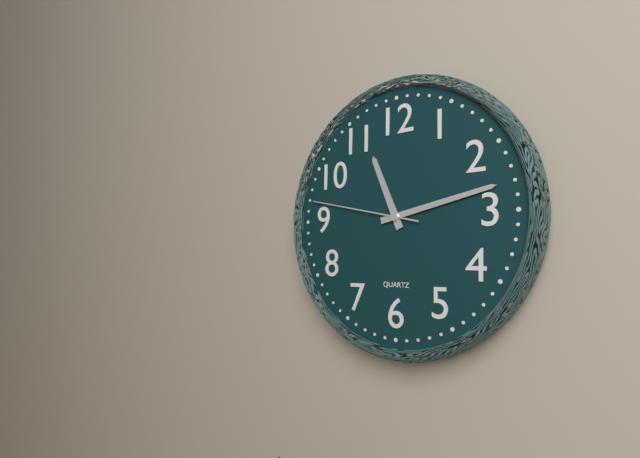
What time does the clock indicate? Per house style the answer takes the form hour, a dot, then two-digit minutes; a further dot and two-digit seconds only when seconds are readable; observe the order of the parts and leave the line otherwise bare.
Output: 11.13.47
